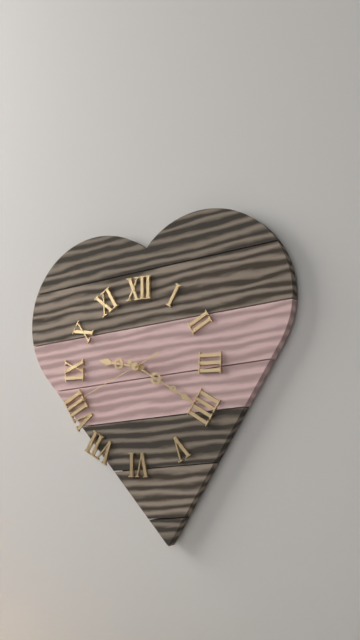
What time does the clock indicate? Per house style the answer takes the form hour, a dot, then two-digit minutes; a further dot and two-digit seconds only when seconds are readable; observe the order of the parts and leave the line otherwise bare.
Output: 9.20.41
